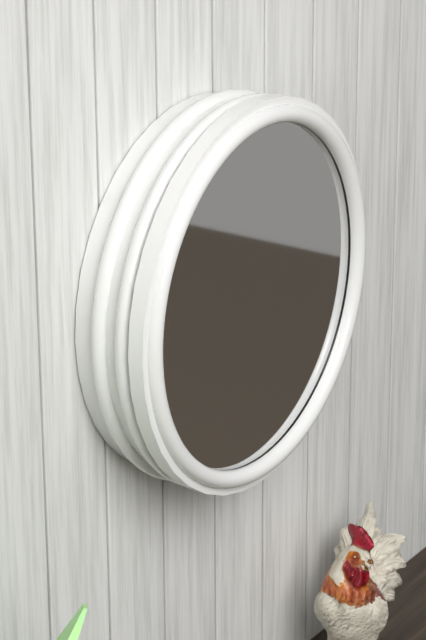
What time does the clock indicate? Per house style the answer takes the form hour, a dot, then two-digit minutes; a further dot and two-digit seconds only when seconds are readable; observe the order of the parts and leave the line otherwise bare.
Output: 1.57.50
